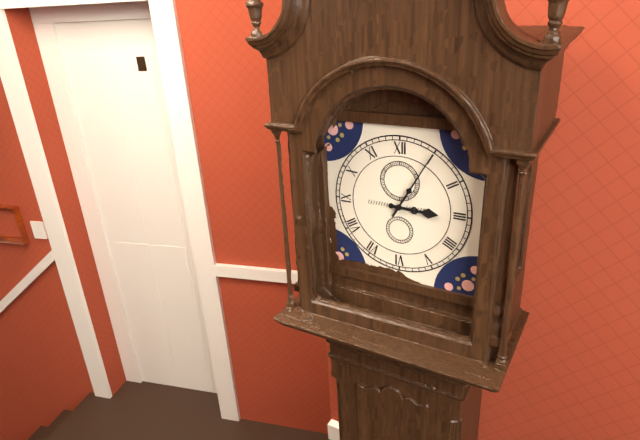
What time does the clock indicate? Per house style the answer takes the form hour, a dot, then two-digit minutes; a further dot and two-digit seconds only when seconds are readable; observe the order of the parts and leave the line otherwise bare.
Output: 3.05
